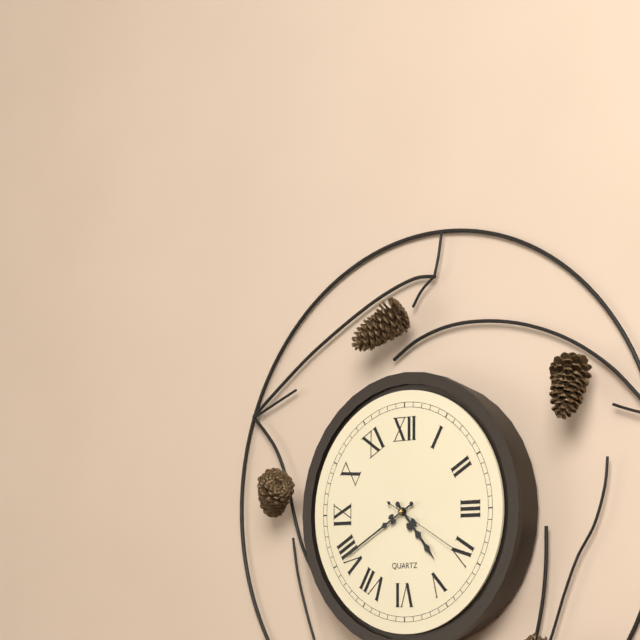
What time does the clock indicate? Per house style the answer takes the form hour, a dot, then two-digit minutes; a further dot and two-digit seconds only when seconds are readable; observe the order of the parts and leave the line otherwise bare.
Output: 4.40.20
